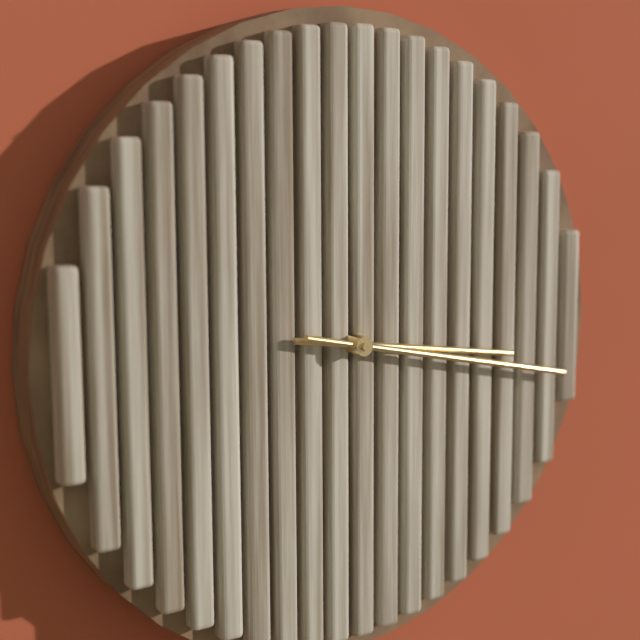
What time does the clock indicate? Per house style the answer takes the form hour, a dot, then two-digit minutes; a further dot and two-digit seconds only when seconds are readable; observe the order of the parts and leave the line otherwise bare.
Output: 3.17
